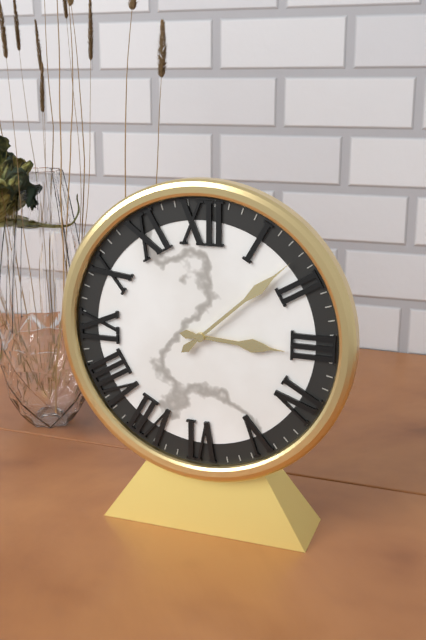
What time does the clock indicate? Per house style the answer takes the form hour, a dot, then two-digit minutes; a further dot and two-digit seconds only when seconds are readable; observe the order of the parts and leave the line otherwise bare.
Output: 3.08
